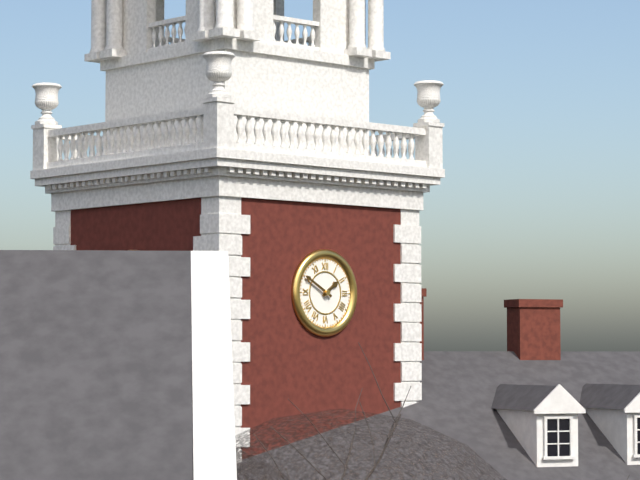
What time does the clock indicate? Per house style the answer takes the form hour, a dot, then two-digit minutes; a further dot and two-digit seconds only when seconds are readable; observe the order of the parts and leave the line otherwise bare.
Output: 1.50
